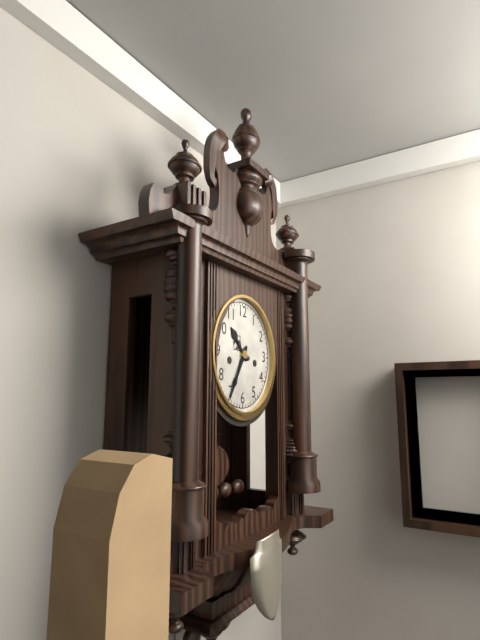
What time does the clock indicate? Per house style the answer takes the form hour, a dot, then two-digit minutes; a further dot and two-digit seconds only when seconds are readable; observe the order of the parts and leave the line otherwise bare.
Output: 10.35
